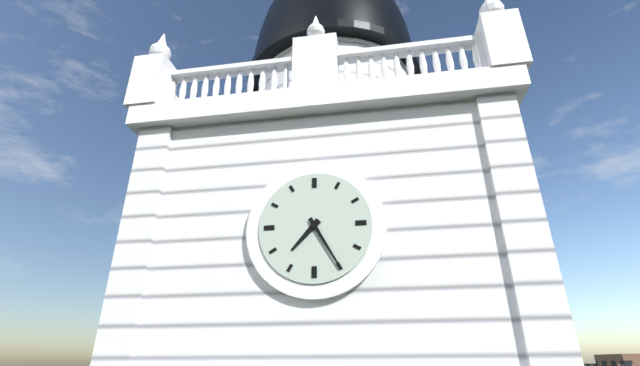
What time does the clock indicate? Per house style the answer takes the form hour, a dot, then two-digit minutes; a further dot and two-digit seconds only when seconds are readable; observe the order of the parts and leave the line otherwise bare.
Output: 7.25
